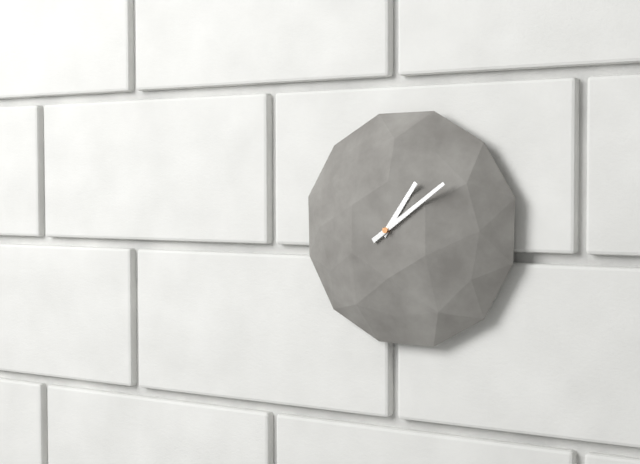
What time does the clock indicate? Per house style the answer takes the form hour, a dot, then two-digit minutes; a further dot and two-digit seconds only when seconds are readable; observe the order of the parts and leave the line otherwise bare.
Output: 1.09
